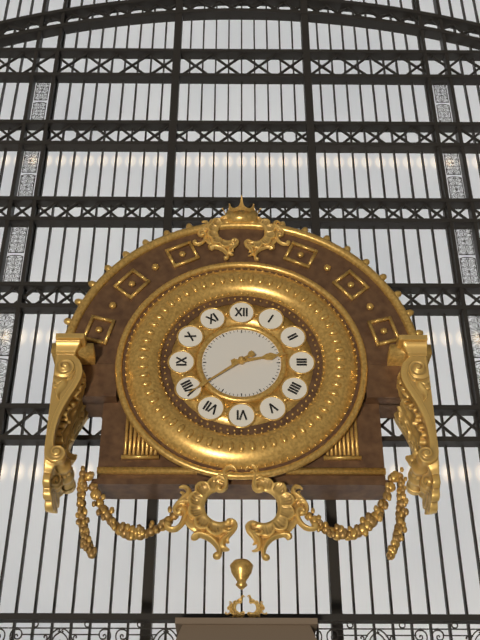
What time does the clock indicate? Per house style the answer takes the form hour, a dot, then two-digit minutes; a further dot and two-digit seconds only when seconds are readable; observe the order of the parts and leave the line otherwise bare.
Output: 2.39
